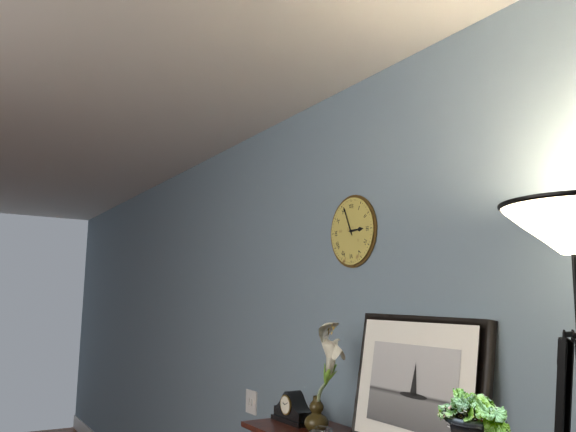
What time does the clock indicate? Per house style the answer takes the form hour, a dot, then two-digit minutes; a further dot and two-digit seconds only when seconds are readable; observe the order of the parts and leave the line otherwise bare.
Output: 2.56
